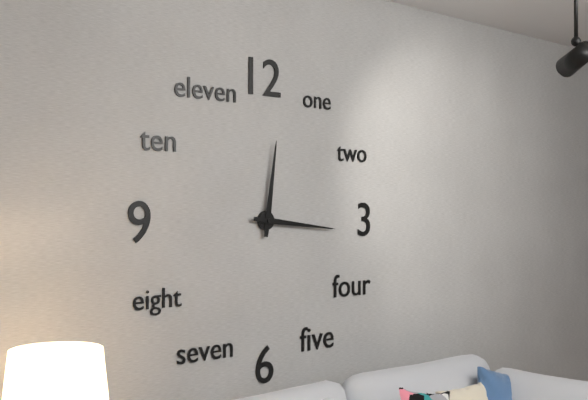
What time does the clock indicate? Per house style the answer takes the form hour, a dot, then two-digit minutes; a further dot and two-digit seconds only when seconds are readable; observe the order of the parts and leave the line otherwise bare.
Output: 12.16
